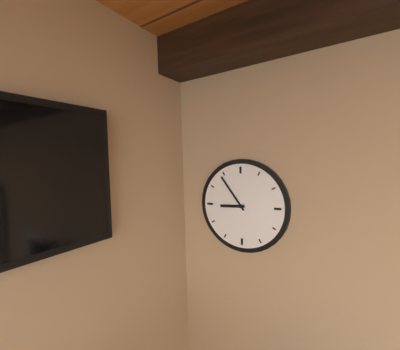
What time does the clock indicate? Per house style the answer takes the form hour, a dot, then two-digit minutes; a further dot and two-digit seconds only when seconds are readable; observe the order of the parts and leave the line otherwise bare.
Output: 8.54
